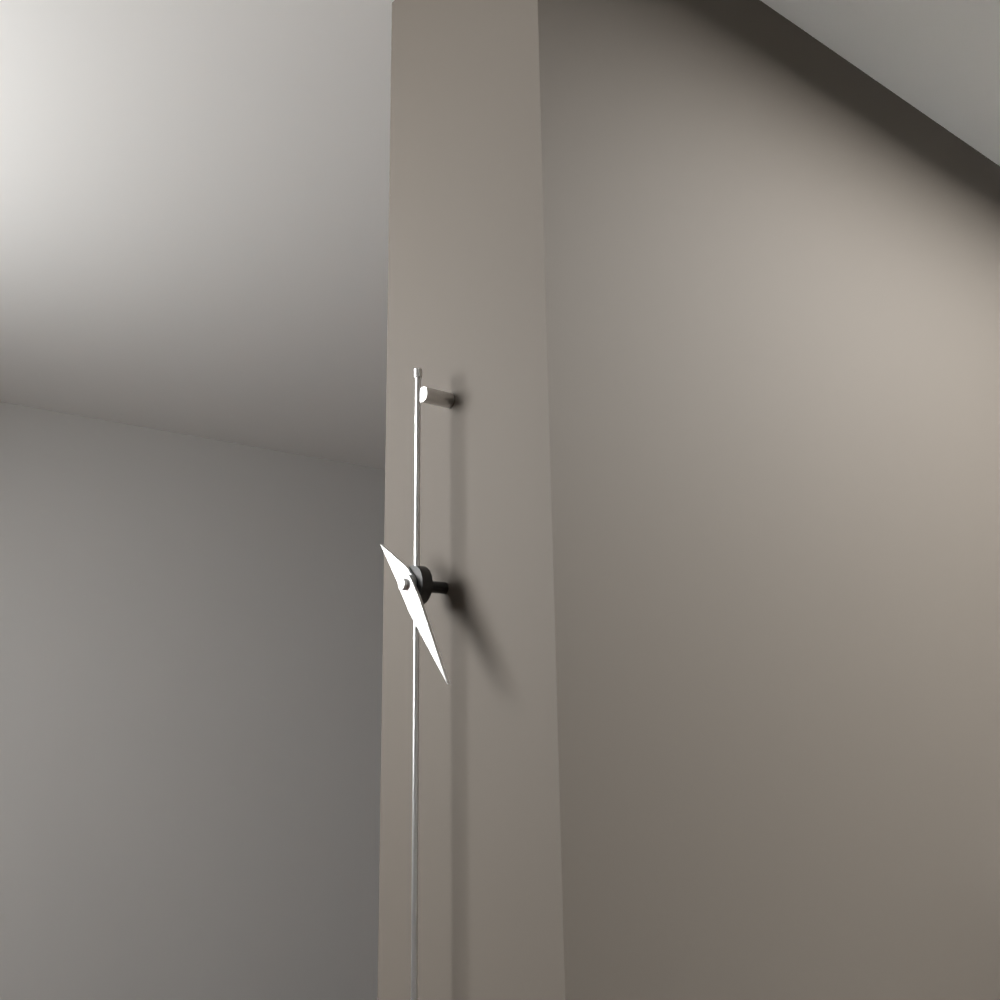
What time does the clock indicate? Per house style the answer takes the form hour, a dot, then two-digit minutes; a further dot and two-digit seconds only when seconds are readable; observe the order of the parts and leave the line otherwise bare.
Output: 10.24
